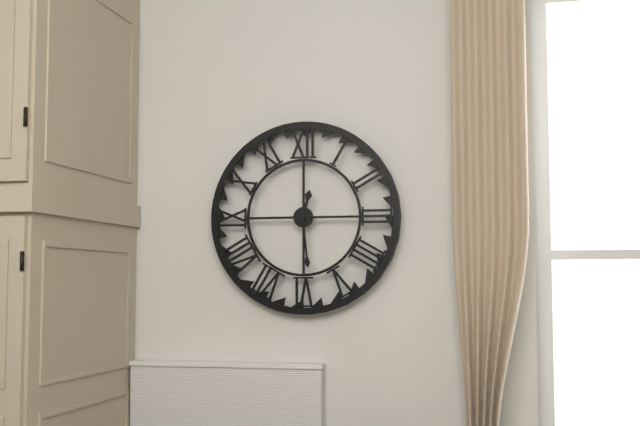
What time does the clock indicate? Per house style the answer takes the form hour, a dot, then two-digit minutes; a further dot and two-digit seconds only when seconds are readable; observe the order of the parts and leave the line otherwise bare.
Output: 12.29
